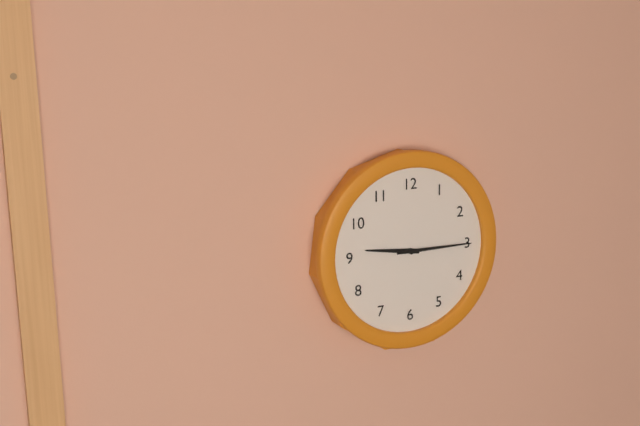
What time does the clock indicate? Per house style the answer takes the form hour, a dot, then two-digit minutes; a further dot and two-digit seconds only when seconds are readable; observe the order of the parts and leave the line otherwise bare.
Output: 9.15
